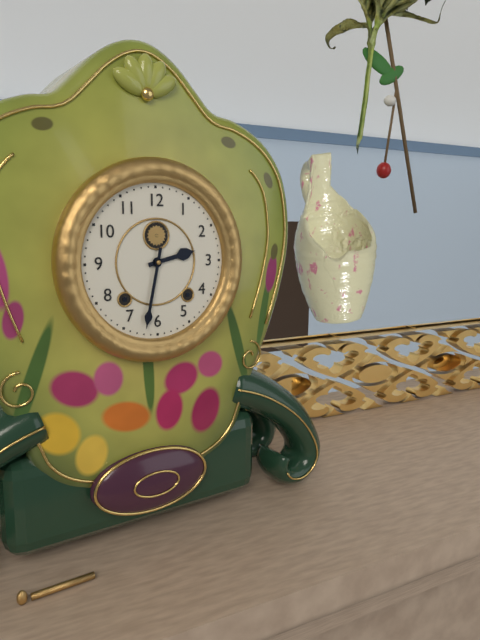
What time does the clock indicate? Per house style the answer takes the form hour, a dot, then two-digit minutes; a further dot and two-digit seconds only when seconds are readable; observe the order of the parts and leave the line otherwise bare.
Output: 2.32
